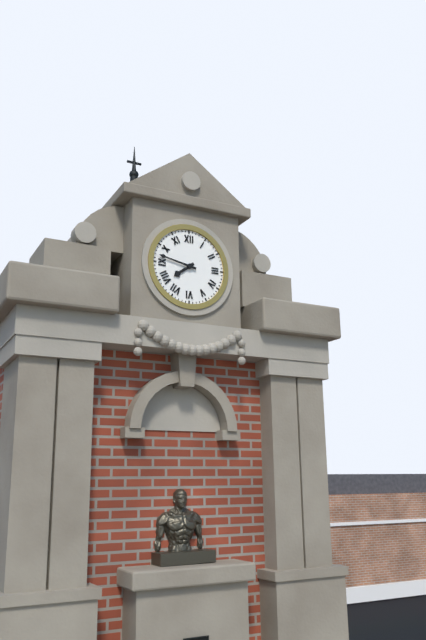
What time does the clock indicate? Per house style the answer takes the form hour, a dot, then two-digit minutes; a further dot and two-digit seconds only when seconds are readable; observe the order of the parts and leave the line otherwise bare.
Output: 7.47
